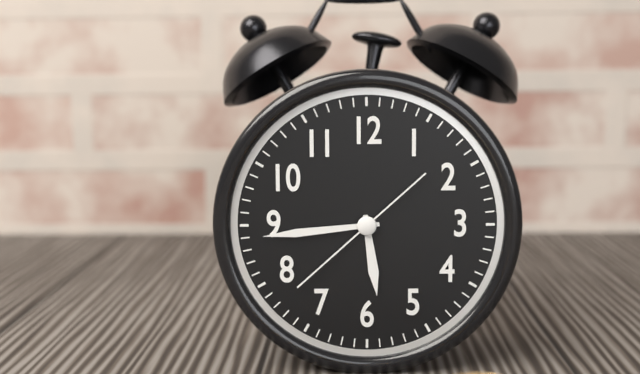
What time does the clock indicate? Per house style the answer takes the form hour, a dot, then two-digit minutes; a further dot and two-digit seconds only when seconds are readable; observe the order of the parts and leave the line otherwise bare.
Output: 5.44.38
